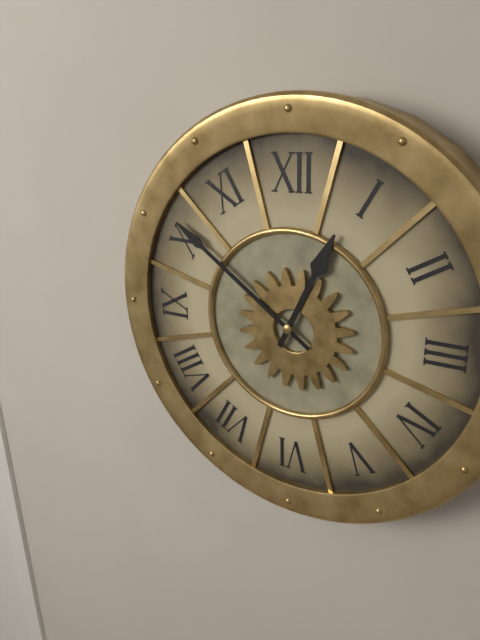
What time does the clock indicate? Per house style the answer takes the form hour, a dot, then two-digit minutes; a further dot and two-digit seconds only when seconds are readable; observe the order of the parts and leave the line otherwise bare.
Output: 12.51
